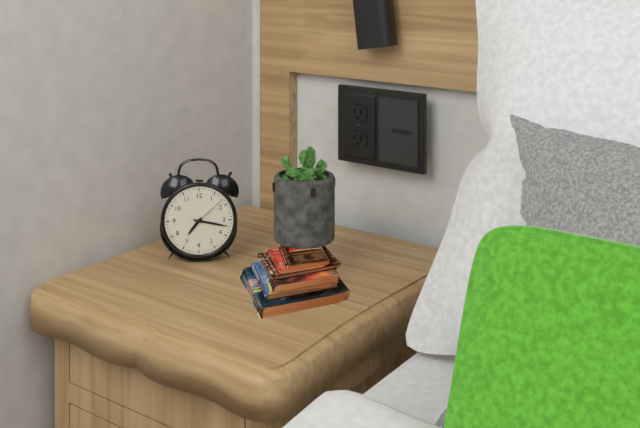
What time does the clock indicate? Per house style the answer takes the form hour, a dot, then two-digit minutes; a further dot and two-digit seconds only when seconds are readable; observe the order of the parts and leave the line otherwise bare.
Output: 7.17
